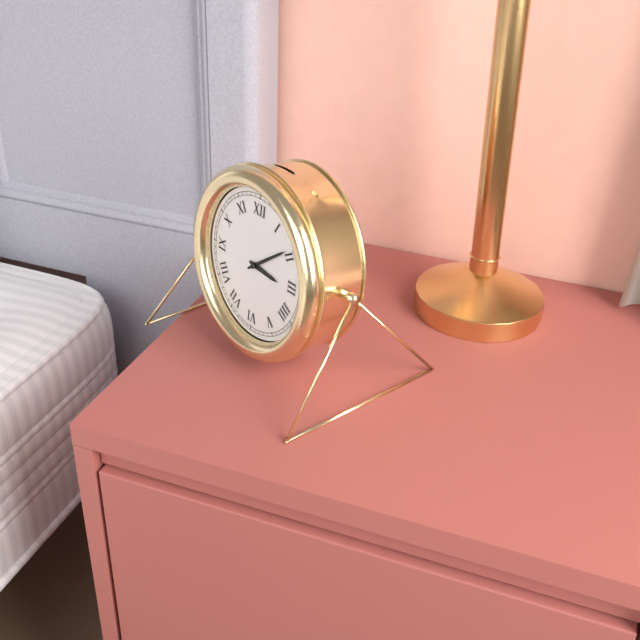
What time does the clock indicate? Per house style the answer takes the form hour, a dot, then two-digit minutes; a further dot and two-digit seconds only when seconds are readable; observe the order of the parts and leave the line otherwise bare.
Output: 3.09
